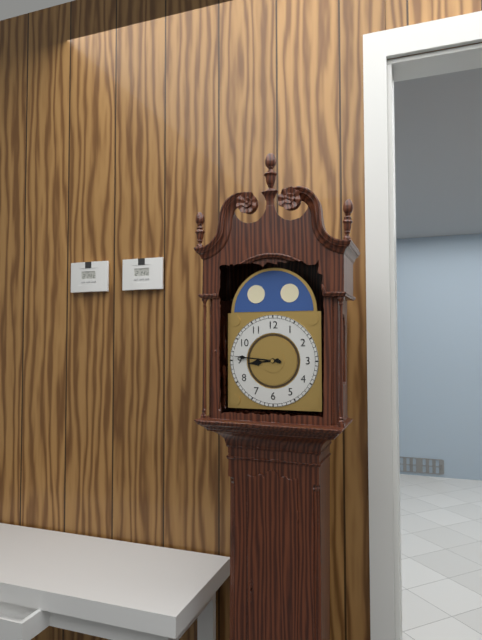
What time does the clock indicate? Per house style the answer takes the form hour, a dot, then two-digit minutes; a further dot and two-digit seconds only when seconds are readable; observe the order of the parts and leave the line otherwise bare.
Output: 8.46
